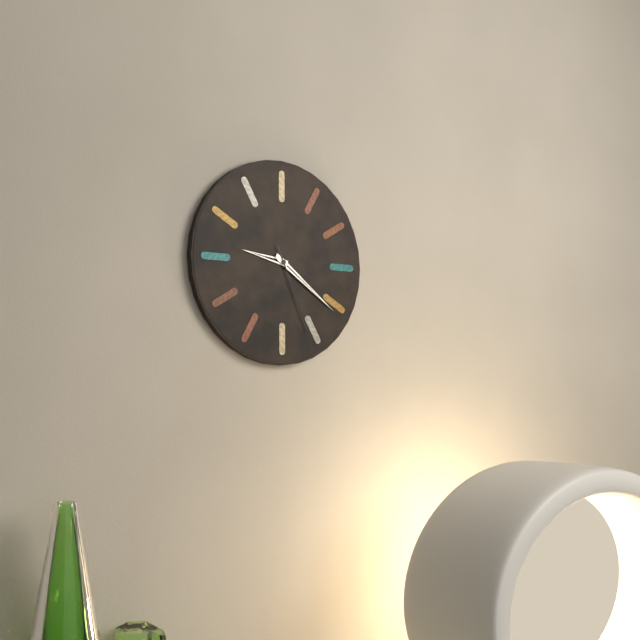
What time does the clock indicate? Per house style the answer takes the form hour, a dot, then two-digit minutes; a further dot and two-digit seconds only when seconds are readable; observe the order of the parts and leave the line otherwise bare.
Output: 9.21.26
